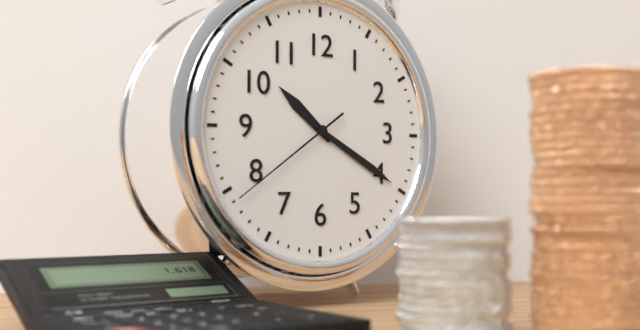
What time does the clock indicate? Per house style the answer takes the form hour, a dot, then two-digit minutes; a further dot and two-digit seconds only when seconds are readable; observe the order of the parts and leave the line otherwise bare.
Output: 10.20.39
